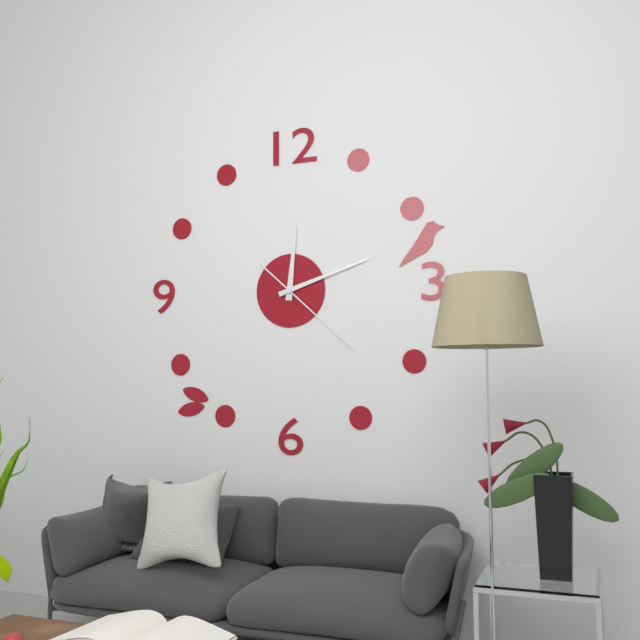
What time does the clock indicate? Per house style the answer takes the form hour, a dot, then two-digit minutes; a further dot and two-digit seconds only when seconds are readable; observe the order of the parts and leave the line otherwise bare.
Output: 12.12.22
